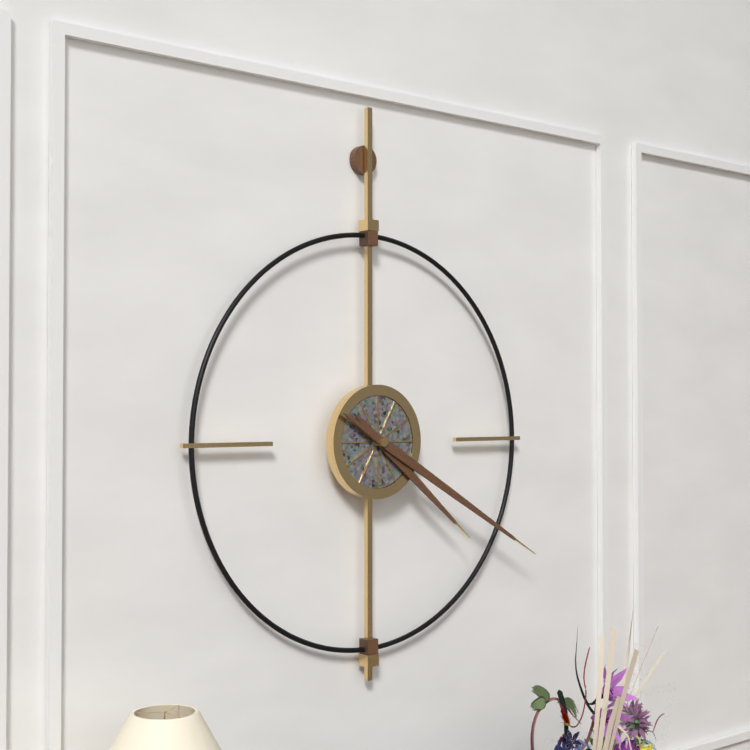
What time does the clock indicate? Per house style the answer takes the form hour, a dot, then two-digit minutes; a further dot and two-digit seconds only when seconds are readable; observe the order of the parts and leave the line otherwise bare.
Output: 4.20
